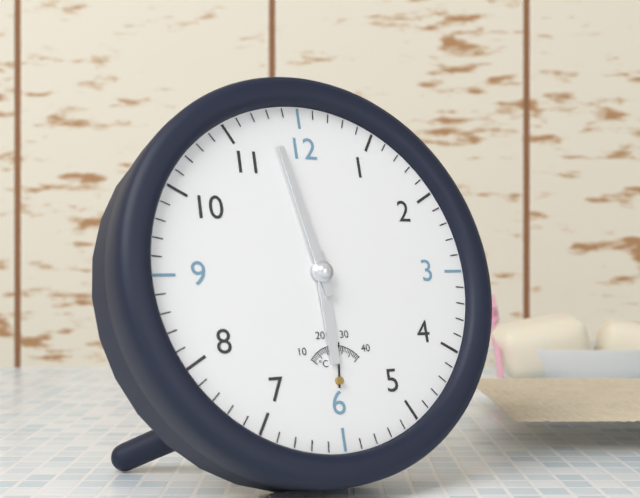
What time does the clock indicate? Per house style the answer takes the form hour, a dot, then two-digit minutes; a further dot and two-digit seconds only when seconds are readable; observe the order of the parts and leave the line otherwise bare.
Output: 5.58
